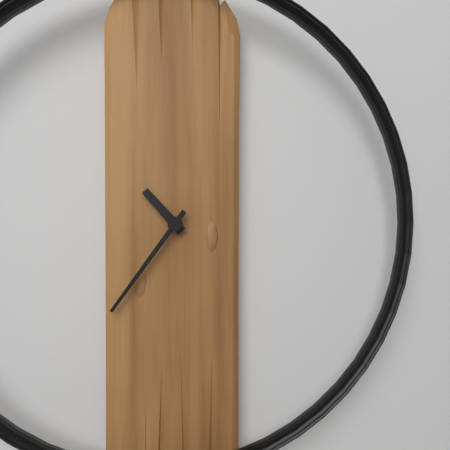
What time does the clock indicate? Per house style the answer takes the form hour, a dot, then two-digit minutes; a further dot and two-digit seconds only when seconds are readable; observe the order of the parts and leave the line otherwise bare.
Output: 10.36
